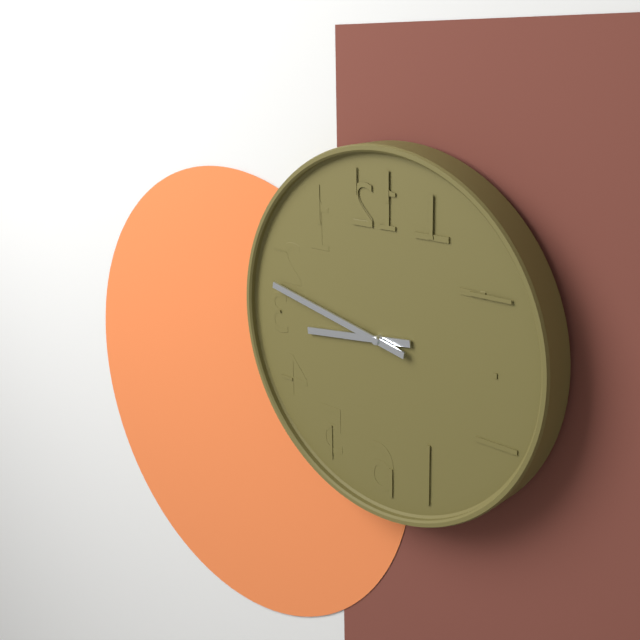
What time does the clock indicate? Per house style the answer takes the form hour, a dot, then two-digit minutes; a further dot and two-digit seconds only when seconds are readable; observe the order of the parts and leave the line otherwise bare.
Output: 8.47
